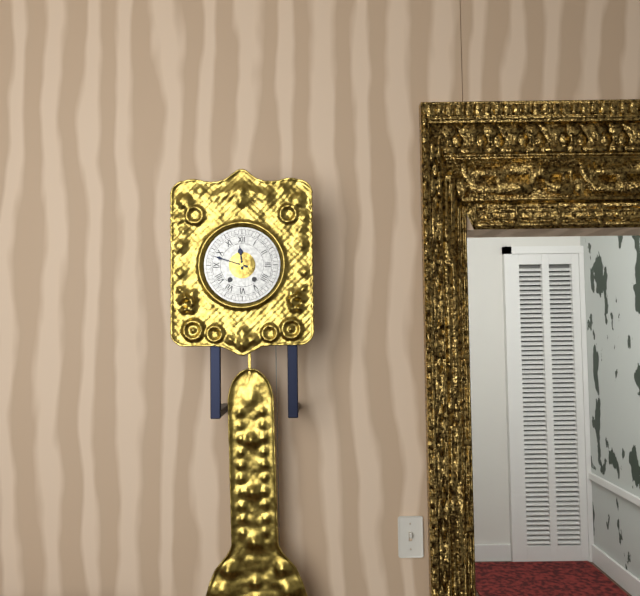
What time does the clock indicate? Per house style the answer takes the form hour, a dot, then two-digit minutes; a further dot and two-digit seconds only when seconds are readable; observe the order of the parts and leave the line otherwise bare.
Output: 11.48
